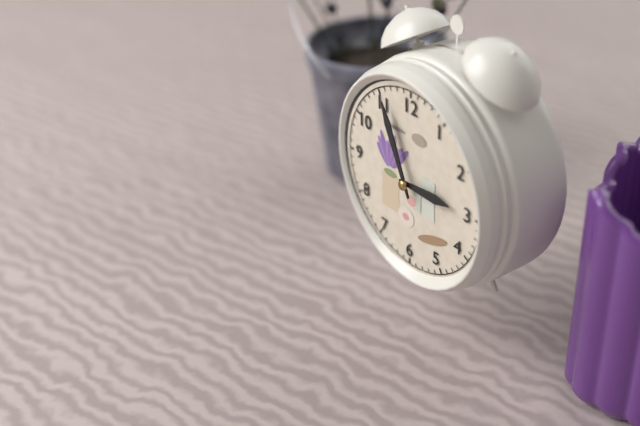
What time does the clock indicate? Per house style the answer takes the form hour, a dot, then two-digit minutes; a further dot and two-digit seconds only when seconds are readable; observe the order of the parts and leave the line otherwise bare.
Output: 2.56
